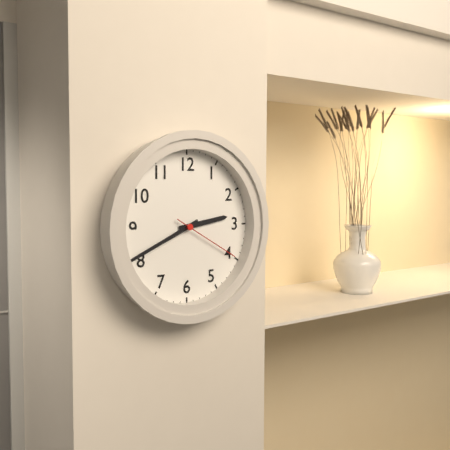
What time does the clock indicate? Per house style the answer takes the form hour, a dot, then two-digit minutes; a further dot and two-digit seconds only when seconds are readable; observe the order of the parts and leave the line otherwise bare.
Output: 2.41.20
